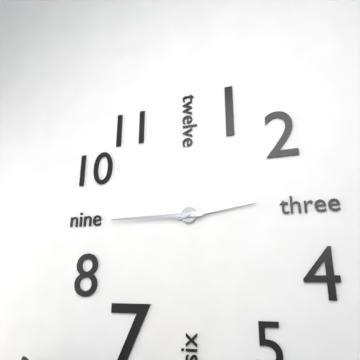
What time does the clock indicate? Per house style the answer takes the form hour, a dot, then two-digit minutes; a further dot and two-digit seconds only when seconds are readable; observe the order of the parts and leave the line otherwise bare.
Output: 2.45
